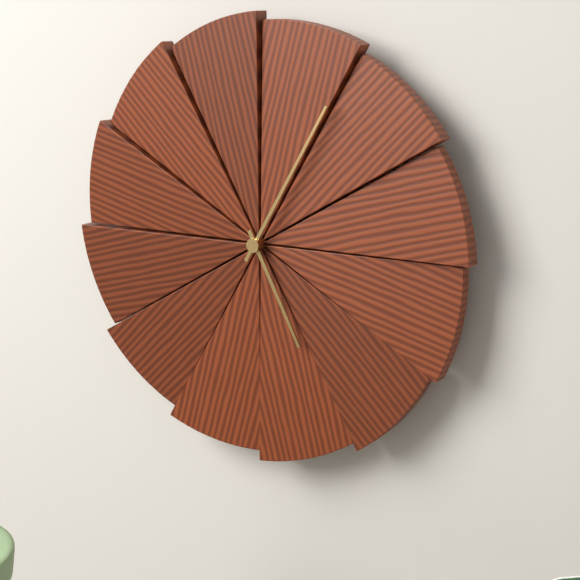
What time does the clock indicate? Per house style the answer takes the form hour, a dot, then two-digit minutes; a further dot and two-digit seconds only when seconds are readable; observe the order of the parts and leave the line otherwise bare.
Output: 5.05
